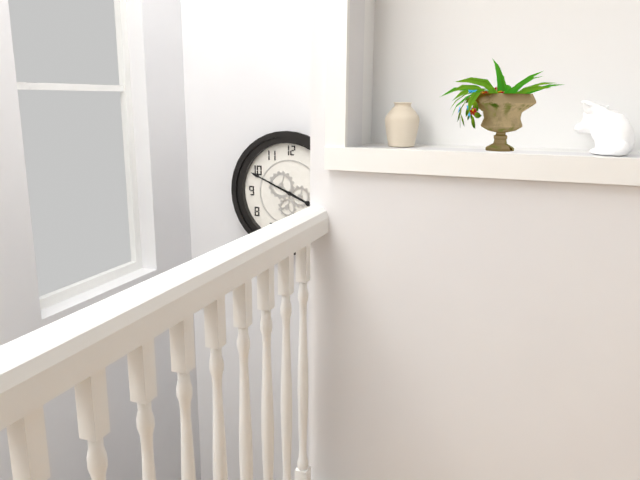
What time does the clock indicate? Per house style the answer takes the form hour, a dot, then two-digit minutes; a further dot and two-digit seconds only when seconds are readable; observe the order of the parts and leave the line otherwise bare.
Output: 3.49
